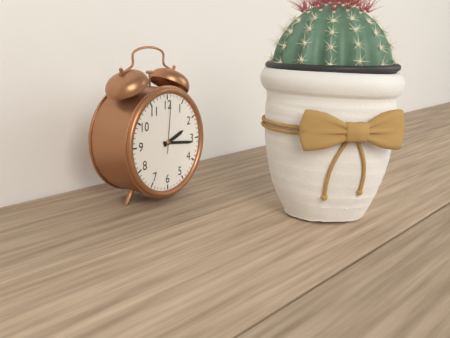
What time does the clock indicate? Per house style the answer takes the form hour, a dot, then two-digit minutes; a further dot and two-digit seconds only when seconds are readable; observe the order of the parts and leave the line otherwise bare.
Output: 2.16.01
